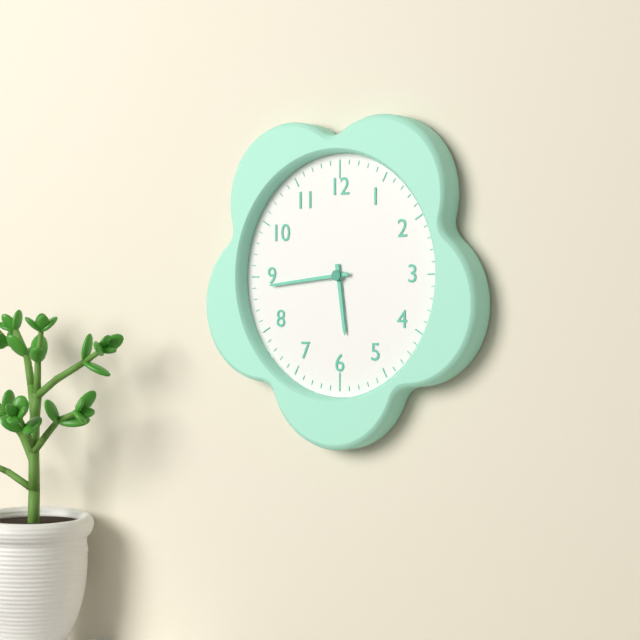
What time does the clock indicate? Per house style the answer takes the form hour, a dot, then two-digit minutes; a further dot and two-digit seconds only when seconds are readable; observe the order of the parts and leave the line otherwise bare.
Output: 5.44
